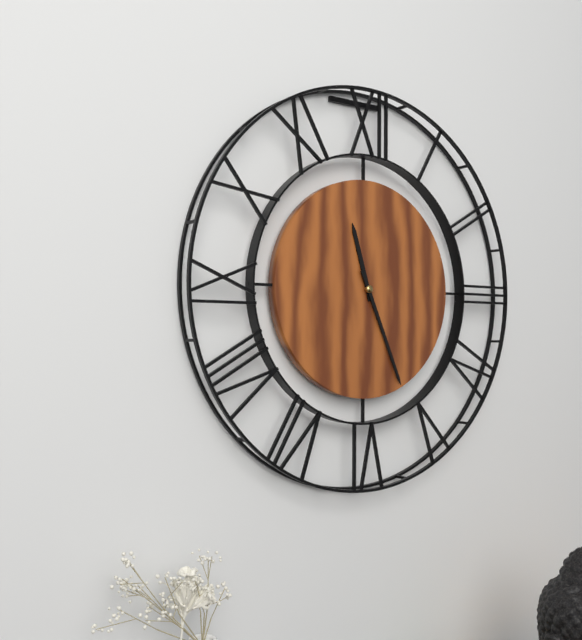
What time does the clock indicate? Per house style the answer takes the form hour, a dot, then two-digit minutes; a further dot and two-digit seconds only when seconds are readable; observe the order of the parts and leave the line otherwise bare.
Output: 11.26
